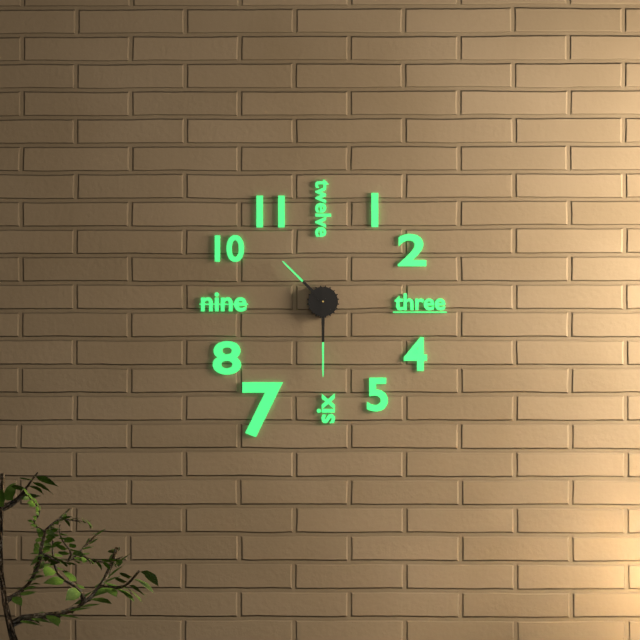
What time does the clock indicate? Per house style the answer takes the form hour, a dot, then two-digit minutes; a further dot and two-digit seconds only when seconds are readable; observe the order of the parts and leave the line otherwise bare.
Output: 10.30
